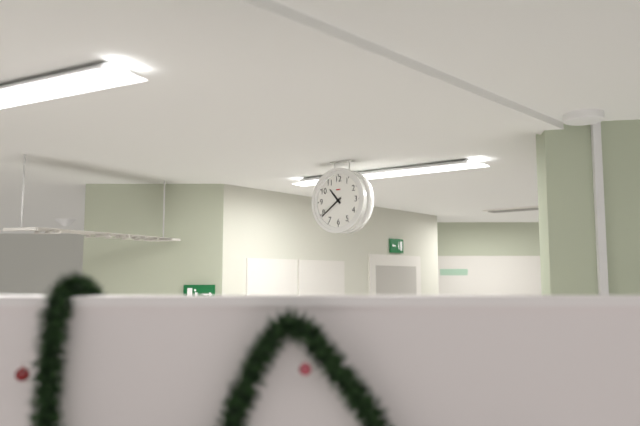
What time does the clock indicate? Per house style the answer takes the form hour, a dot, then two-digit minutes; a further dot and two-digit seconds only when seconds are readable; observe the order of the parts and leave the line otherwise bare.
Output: 10.39
